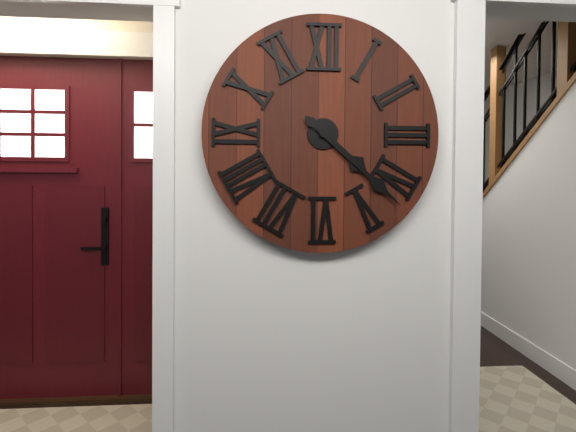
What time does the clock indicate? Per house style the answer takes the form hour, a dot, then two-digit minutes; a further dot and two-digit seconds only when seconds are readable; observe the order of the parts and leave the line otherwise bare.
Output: 4.22
